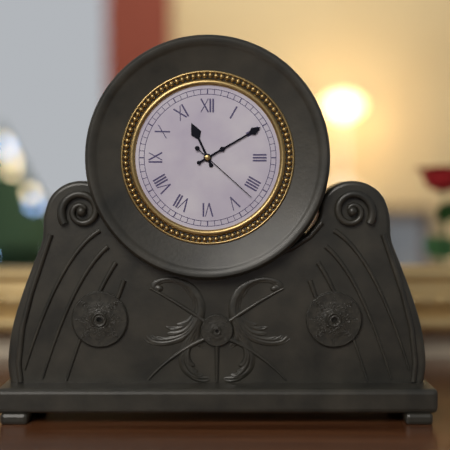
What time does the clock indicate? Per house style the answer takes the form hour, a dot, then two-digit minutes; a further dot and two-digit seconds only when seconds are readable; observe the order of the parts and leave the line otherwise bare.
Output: 11.10.22
